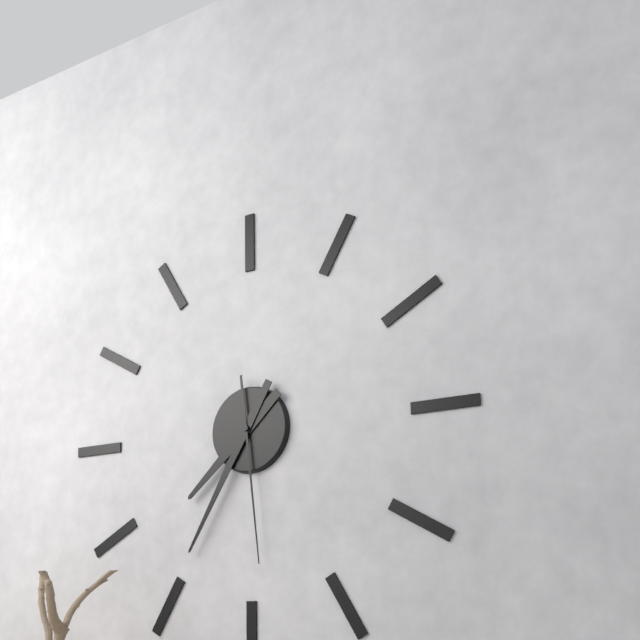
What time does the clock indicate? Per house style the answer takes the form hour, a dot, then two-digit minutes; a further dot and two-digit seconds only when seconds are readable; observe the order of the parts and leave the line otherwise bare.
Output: 7.35.29
